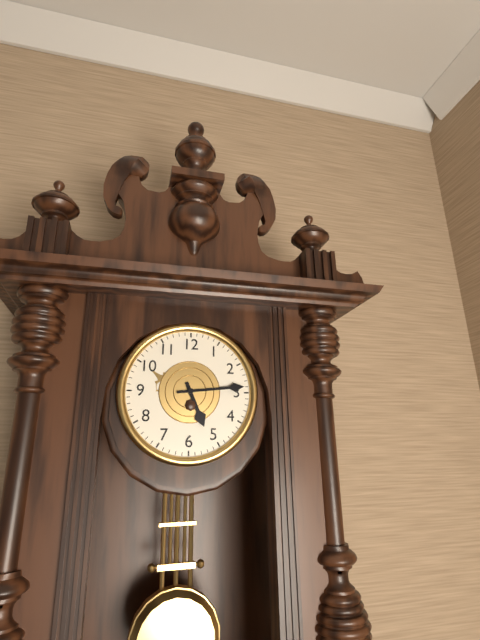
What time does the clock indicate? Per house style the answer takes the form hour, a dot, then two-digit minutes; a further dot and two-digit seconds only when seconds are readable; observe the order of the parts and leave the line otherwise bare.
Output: 5.14
